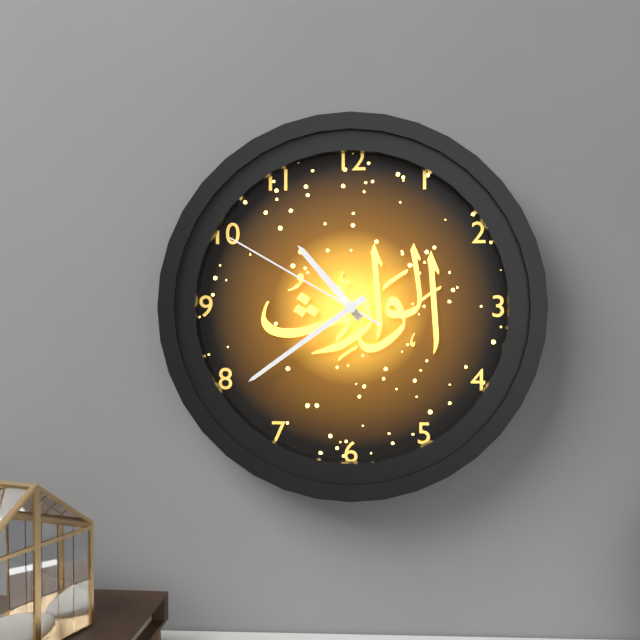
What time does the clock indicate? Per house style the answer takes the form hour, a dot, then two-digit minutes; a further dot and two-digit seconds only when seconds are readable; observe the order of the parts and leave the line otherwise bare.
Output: 10.39.50
